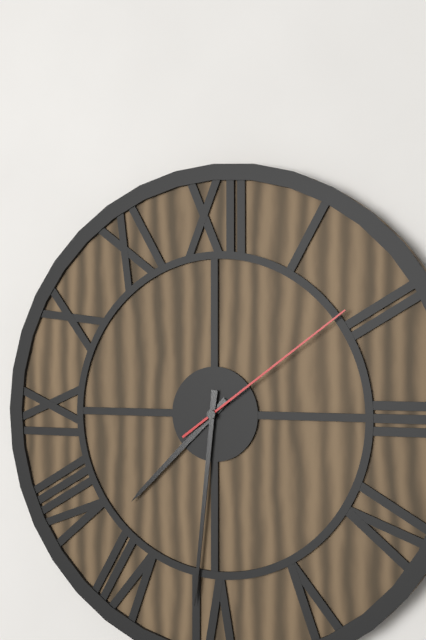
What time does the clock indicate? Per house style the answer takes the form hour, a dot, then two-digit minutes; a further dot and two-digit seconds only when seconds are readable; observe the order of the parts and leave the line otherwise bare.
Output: 7.31.09
